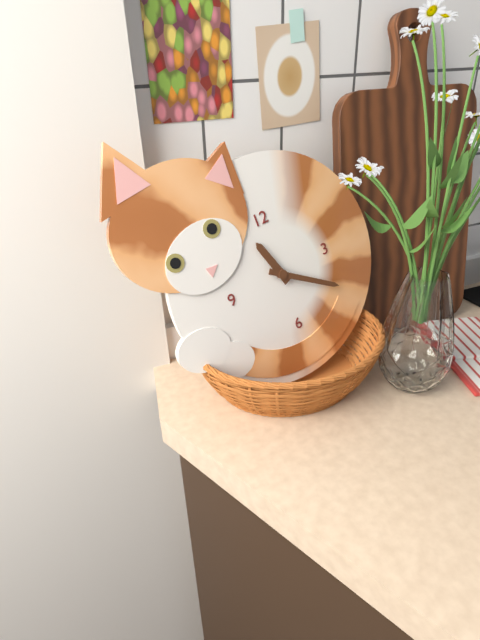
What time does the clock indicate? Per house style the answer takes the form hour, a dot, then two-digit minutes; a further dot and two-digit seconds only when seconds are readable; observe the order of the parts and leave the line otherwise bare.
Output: 11.21
